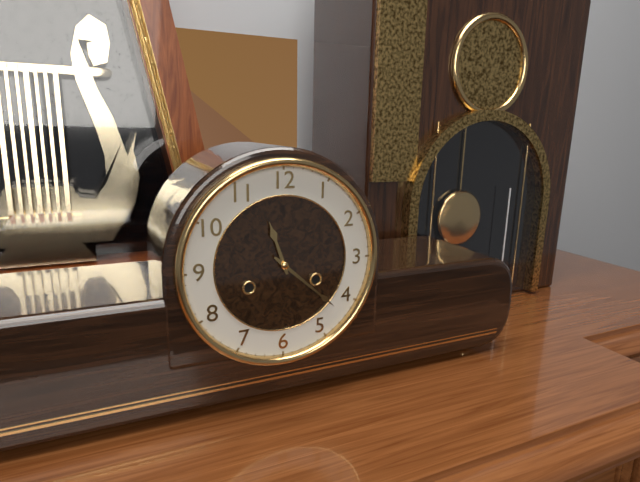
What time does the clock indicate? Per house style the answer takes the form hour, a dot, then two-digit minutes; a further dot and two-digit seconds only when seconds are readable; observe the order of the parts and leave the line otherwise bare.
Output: 11.22
